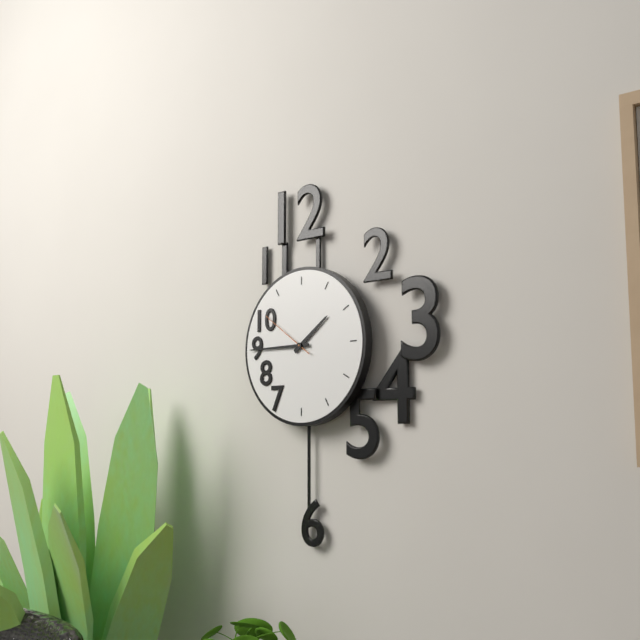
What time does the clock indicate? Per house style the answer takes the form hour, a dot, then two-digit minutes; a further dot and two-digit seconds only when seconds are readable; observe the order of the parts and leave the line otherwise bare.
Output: 1.45.51
